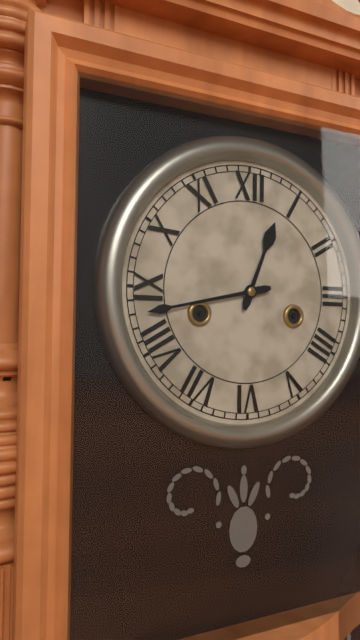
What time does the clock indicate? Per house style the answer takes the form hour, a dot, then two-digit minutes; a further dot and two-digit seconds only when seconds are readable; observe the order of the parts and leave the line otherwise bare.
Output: 12.43
